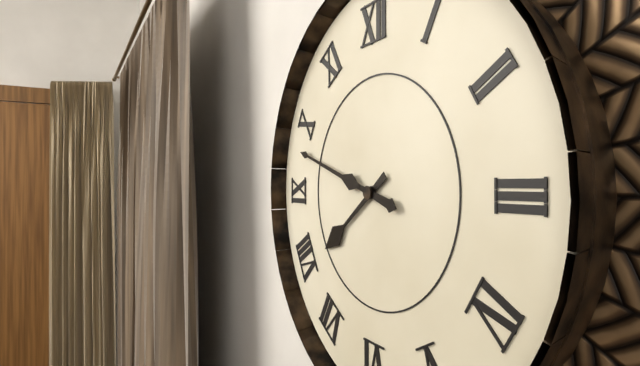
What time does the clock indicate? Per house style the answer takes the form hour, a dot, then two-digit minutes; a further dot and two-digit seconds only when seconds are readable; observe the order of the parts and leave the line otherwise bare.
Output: 7.48
